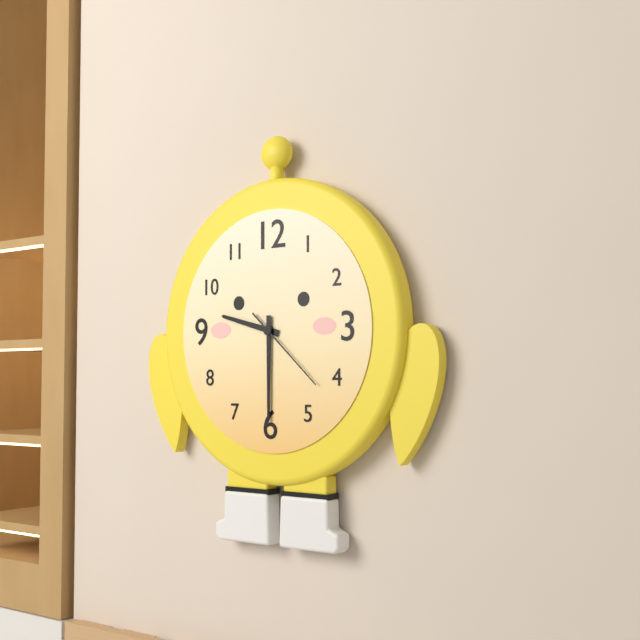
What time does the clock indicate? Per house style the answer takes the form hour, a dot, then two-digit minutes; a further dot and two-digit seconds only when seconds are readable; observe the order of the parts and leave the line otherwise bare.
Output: 9.30.22
